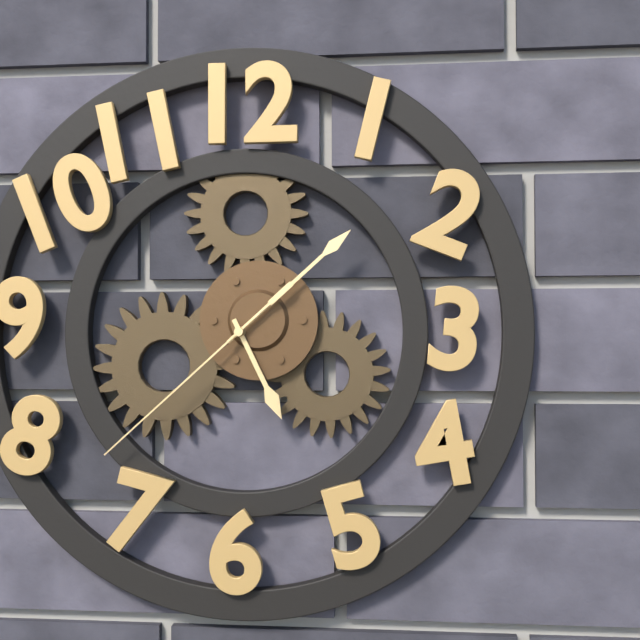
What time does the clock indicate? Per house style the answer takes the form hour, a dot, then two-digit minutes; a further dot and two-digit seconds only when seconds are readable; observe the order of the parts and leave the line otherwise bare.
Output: 5.08.38
